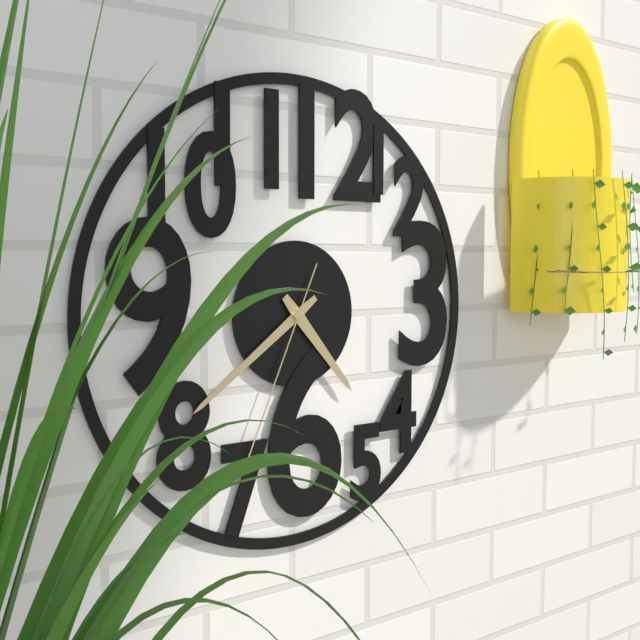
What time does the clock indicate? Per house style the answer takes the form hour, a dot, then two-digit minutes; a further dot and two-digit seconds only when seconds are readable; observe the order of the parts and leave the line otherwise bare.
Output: 4.39.34
